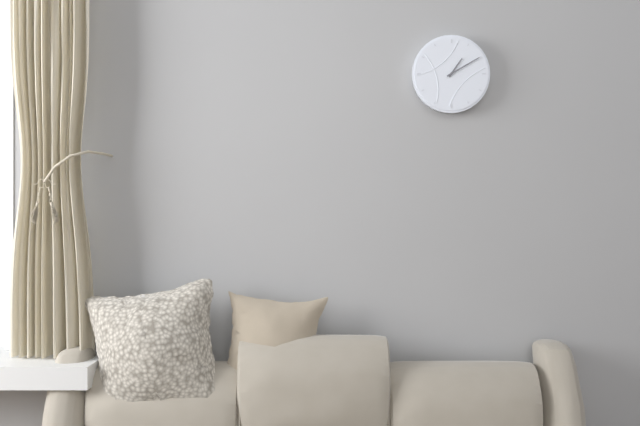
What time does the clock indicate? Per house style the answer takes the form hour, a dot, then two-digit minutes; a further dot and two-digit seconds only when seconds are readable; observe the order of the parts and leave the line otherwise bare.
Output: 1.10
